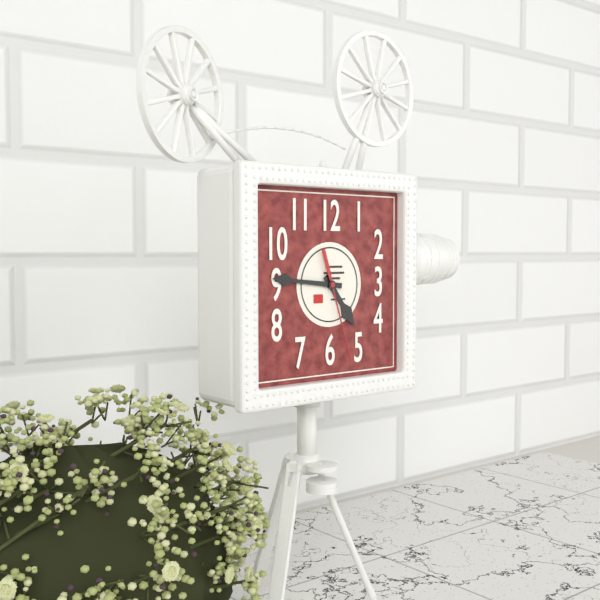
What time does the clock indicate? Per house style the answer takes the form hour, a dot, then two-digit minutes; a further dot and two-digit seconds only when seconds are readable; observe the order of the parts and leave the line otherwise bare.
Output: 4.46.27
